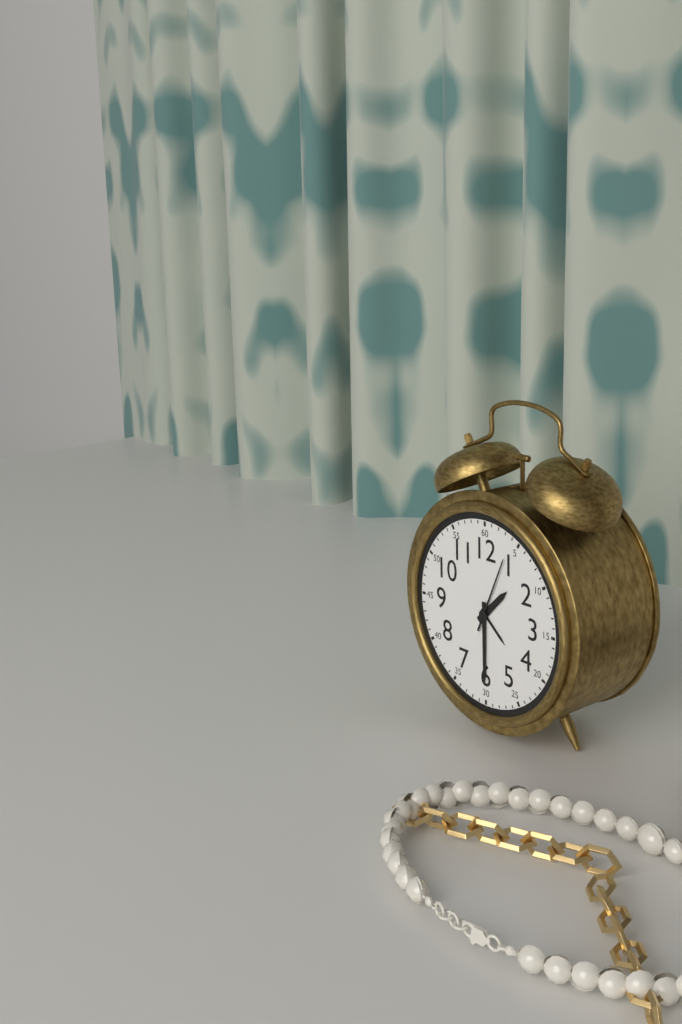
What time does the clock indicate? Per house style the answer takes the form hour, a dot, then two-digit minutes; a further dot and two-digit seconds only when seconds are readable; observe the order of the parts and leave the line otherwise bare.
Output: 1.30.04
